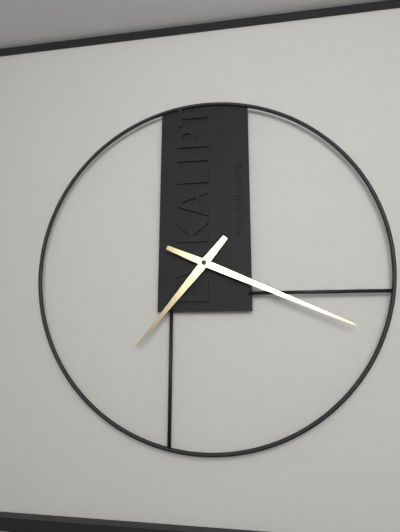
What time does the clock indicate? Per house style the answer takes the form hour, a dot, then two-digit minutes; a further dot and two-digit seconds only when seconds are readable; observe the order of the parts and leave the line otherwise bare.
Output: 7.19
